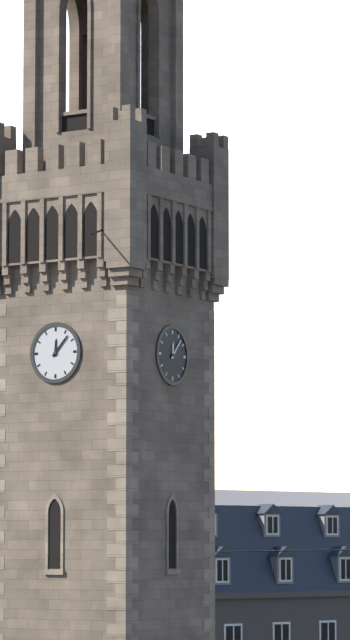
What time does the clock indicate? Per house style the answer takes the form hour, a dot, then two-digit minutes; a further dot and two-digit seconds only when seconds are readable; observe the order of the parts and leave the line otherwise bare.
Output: 12.07
